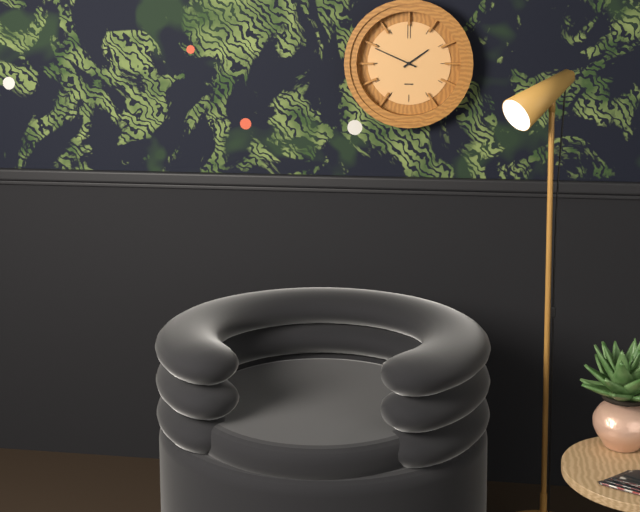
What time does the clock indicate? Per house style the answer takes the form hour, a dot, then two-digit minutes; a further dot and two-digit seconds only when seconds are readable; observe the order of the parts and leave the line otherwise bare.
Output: 1.49
